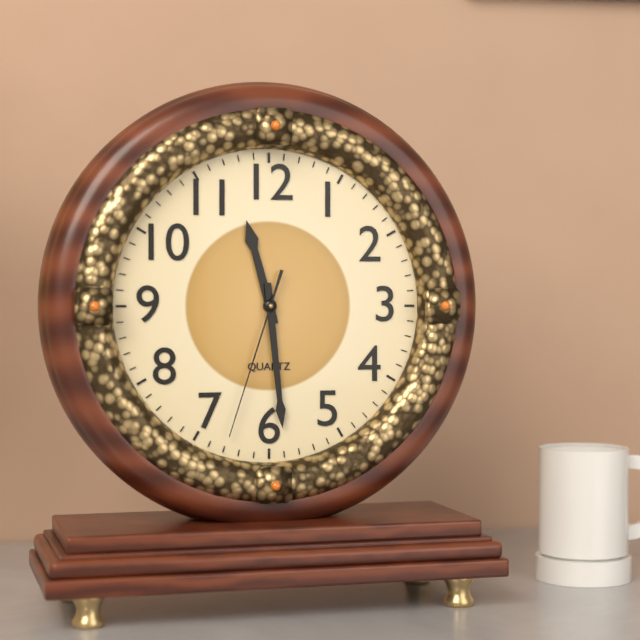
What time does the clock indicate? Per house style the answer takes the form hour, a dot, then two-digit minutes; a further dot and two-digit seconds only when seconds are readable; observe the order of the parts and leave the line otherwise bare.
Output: 11.29.33
